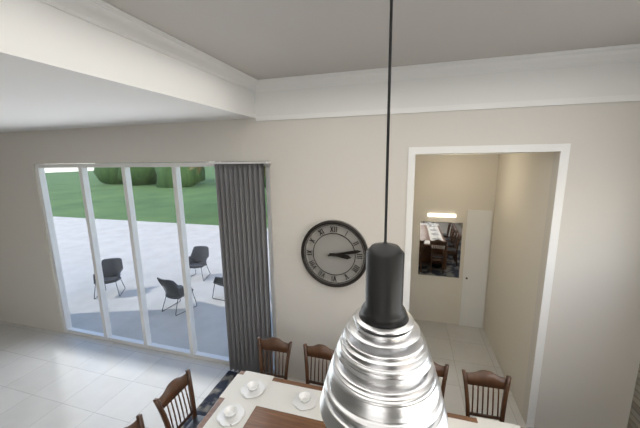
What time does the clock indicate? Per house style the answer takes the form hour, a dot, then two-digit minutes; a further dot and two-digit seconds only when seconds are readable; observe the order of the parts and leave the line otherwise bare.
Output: 3.13
